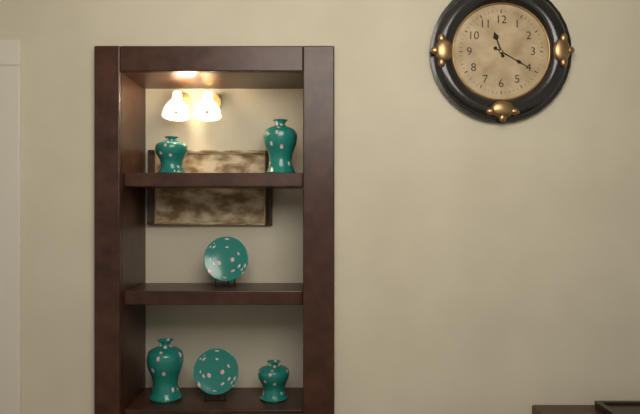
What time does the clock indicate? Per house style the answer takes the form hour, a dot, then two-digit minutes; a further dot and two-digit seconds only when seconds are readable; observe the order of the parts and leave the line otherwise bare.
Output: 11.20
